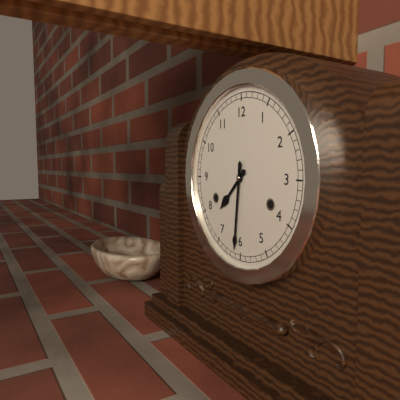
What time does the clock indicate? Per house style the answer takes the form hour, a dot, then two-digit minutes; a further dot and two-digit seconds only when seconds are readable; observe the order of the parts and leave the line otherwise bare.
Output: 7.31
